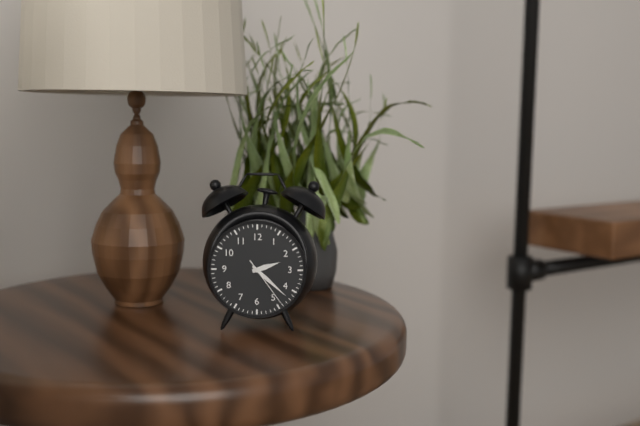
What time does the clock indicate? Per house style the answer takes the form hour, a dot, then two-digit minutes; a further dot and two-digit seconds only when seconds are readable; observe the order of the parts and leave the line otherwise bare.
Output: 2.22.24
